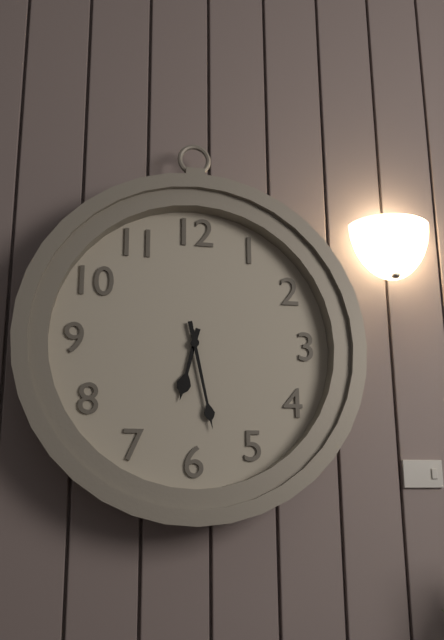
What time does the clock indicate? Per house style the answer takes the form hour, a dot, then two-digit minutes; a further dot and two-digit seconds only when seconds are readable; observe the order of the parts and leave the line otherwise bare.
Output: 6.28
